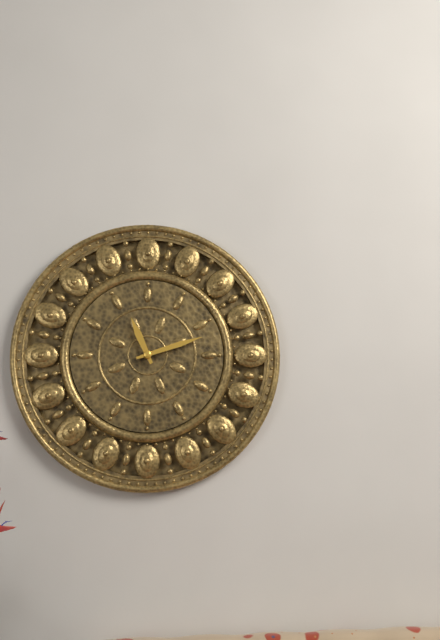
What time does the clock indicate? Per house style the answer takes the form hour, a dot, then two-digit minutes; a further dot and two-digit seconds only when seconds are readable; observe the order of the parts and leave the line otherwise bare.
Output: 11.12
